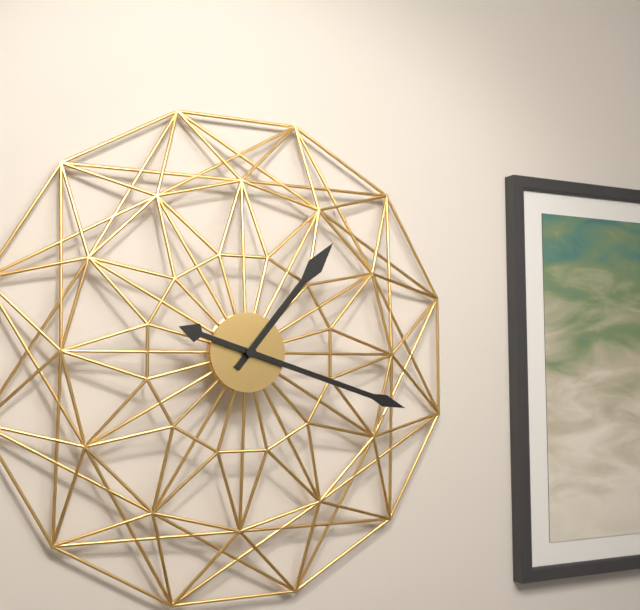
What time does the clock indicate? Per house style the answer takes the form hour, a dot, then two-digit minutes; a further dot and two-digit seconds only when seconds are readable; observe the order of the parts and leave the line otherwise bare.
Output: 1.18
